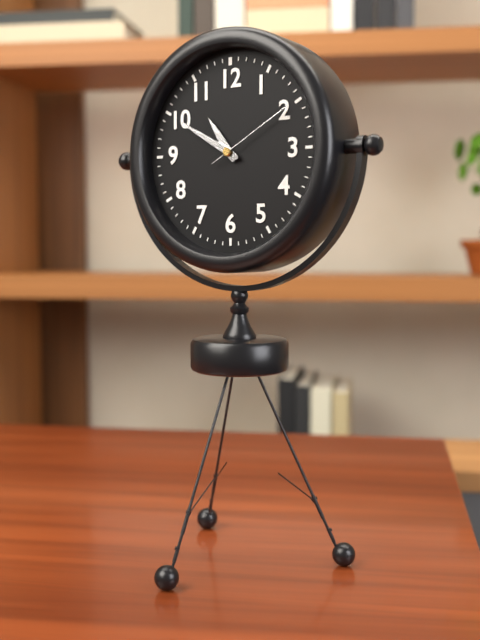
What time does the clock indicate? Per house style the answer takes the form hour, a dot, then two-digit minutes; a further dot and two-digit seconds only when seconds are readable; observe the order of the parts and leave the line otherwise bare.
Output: 10.50.10
